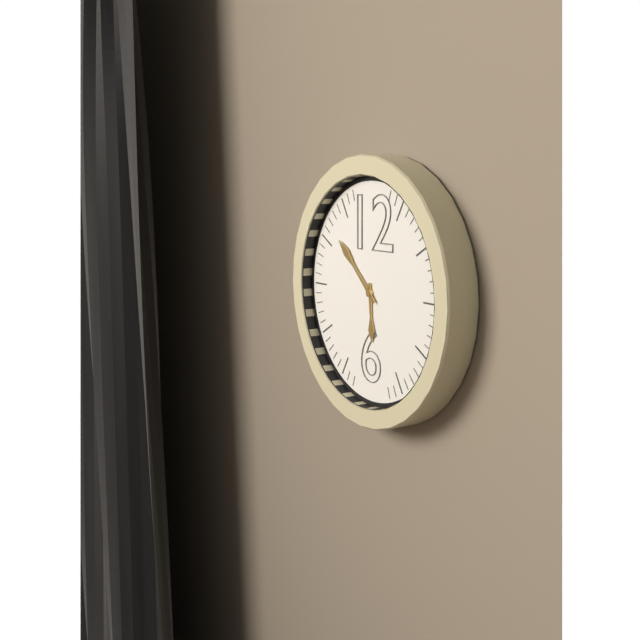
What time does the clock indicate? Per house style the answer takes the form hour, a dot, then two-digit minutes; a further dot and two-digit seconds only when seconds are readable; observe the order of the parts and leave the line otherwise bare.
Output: 5.52
